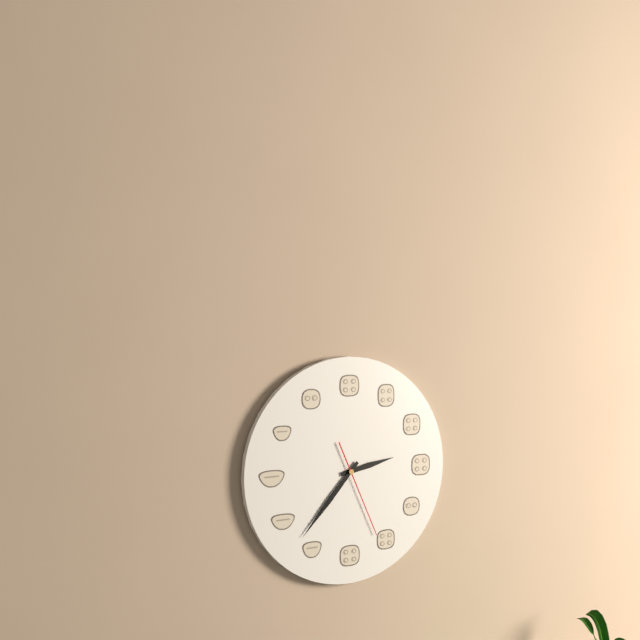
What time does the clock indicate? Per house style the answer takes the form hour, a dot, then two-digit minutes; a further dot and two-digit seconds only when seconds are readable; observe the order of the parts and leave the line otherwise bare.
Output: 2.37.26
